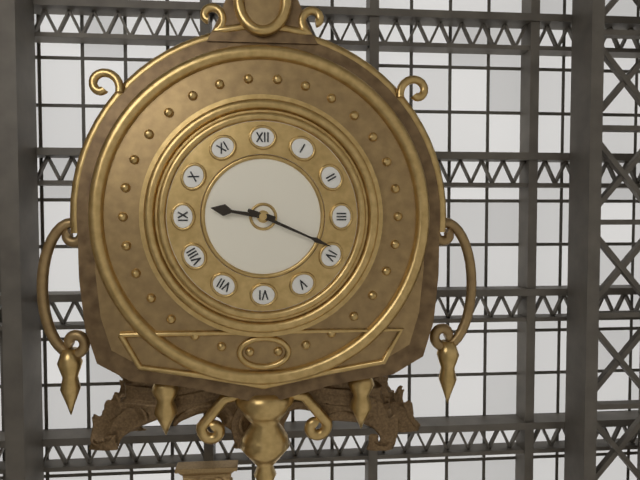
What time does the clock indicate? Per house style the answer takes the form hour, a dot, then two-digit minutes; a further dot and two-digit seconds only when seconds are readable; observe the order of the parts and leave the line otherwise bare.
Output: 9.19
